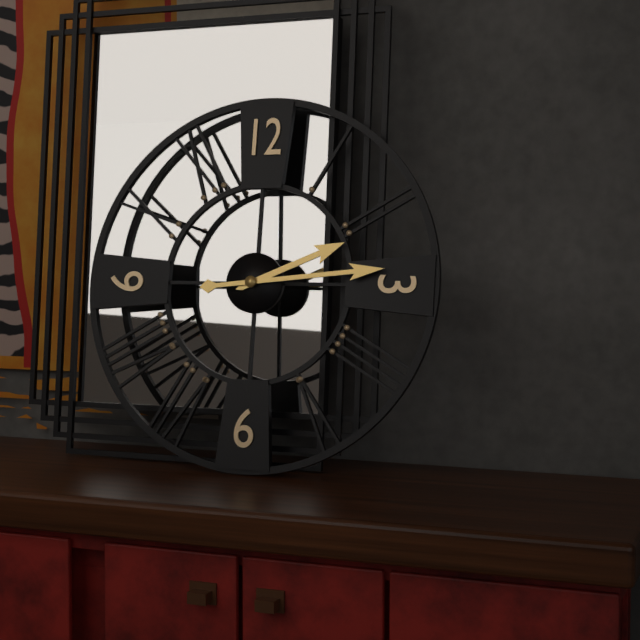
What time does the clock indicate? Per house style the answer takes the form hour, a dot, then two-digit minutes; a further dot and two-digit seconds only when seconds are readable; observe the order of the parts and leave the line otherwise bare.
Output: 2.14
